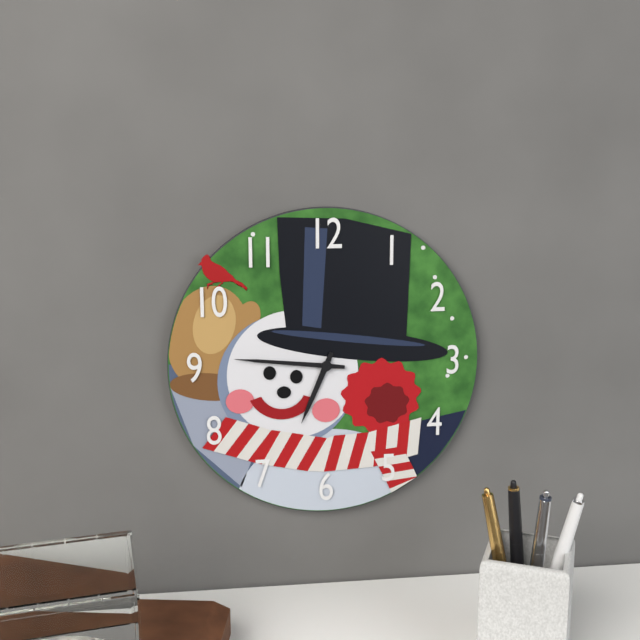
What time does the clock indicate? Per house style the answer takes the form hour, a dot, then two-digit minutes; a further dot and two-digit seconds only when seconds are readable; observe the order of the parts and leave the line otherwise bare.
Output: 6.46
